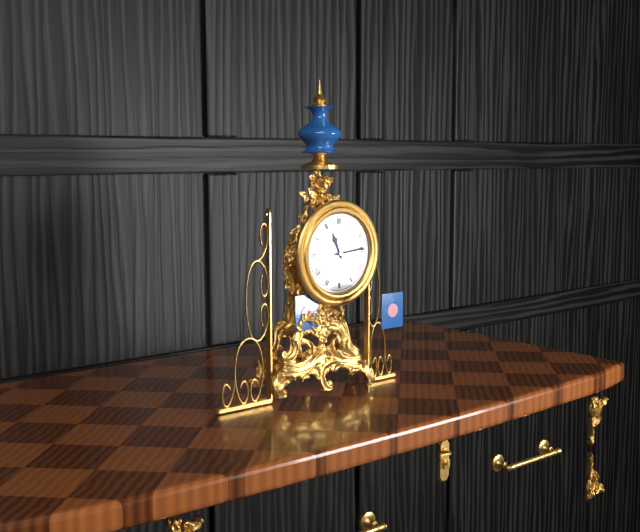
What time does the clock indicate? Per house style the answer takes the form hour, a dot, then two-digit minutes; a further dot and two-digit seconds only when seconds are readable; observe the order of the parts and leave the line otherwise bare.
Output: 11.14
